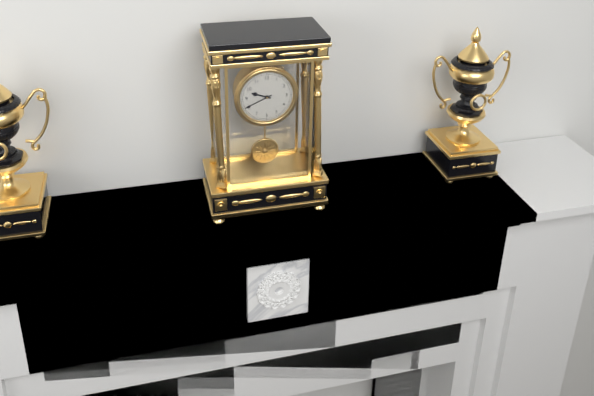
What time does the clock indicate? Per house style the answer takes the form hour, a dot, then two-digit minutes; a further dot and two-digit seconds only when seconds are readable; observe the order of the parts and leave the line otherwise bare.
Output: 9.41
